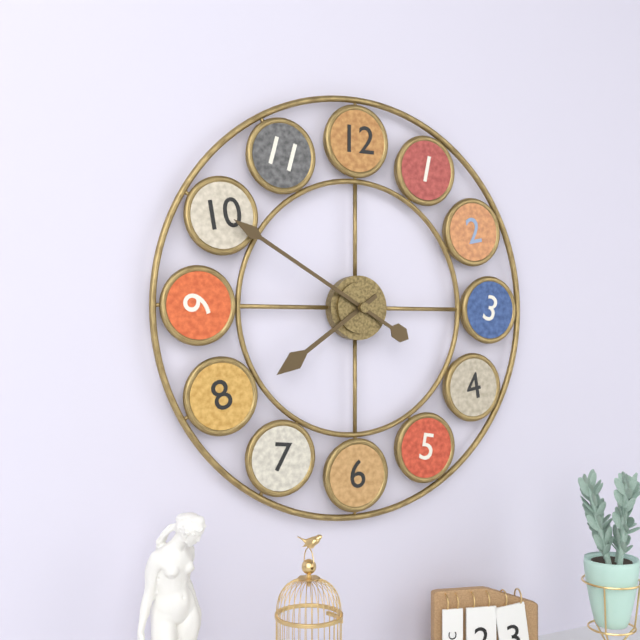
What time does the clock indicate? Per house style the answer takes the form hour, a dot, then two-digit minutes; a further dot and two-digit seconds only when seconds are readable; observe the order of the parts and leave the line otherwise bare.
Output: 7.50
